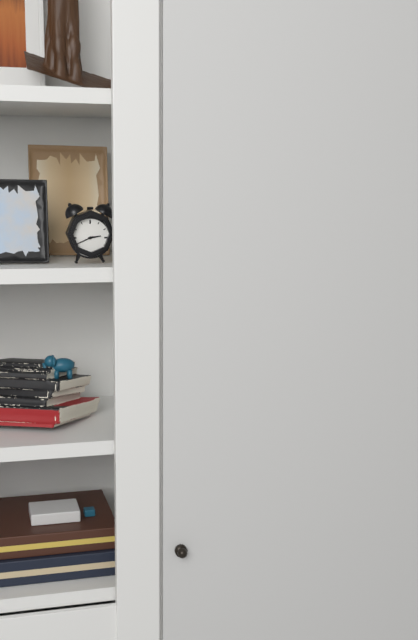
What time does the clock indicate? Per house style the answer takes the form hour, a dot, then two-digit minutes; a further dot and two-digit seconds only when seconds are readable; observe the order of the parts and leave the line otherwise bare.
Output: 2.41
